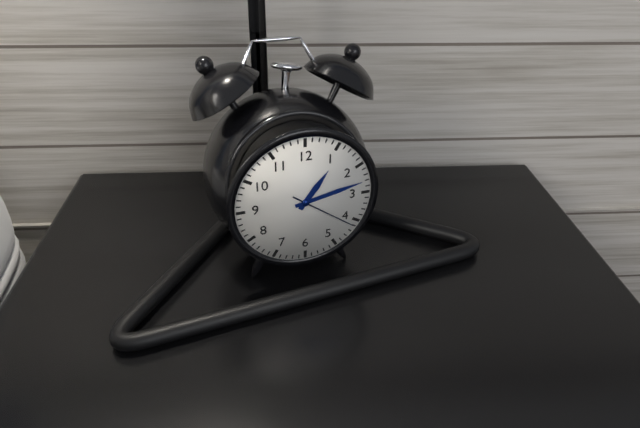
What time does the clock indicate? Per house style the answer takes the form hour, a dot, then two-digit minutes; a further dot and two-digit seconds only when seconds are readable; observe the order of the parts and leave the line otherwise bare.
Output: 1.13.21
